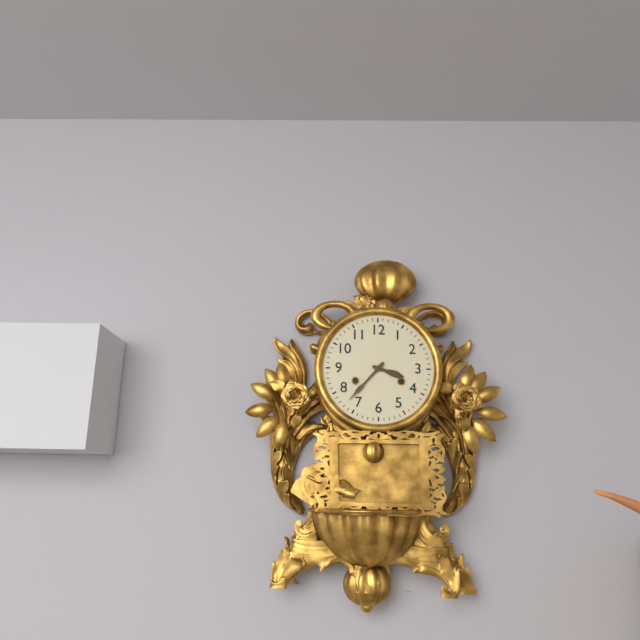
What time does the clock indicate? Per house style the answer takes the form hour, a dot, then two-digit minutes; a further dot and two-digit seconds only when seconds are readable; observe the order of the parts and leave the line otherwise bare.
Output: 3.37
